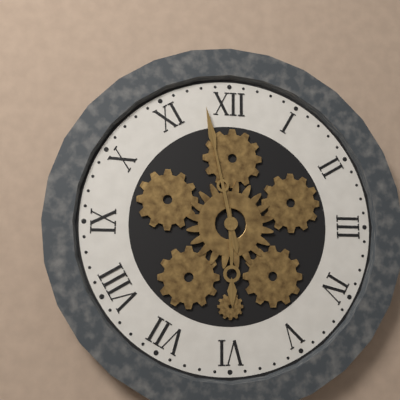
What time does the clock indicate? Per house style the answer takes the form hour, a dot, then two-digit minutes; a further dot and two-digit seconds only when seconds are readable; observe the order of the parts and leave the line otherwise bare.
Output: 5.58
